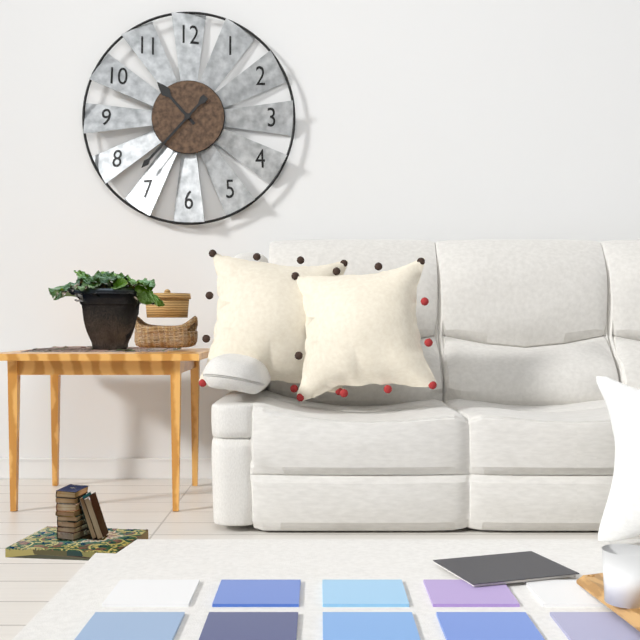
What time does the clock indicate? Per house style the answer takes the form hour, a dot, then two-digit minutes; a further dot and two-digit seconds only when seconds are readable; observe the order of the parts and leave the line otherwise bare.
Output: 10.37
